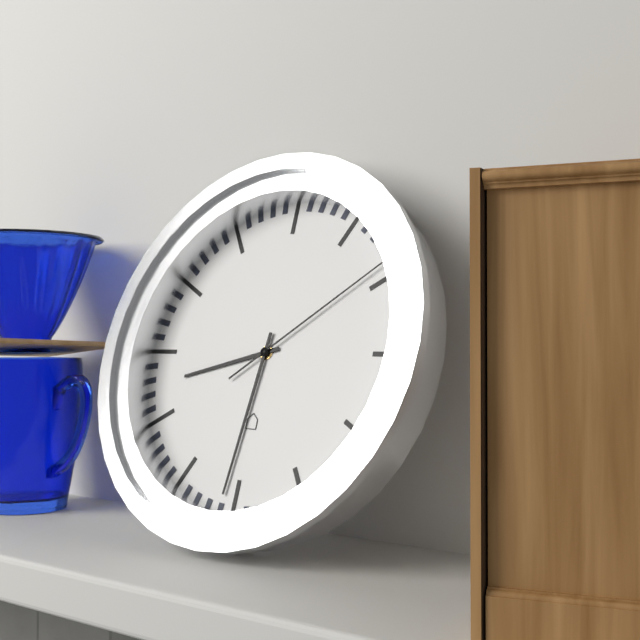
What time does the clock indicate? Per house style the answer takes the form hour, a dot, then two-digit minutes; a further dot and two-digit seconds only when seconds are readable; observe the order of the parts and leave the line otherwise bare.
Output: 8.31.09
